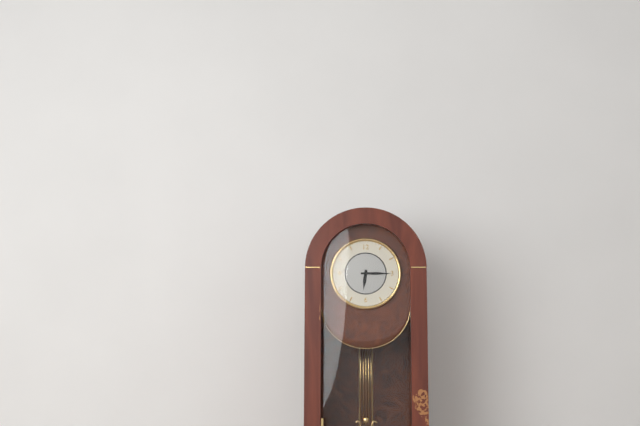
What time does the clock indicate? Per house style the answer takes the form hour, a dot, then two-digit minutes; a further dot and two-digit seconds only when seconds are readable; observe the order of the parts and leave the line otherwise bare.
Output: 6.15
